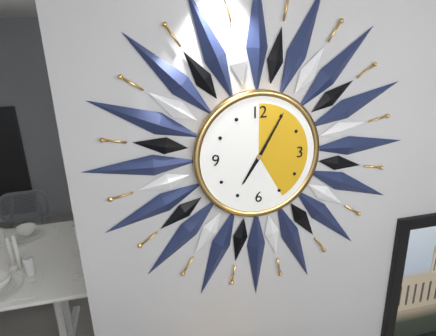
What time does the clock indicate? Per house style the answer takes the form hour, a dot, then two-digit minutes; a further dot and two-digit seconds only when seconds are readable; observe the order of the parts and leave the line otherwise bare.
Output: 7.05
